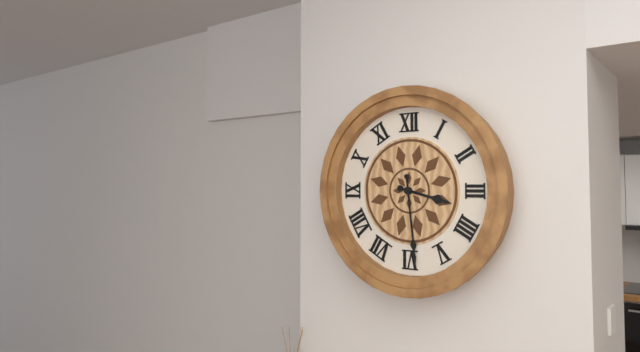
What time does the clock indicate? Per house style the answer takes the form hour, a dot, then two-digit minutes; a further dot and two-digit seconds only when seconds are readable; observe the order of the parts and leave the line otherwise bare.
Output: 3.29
